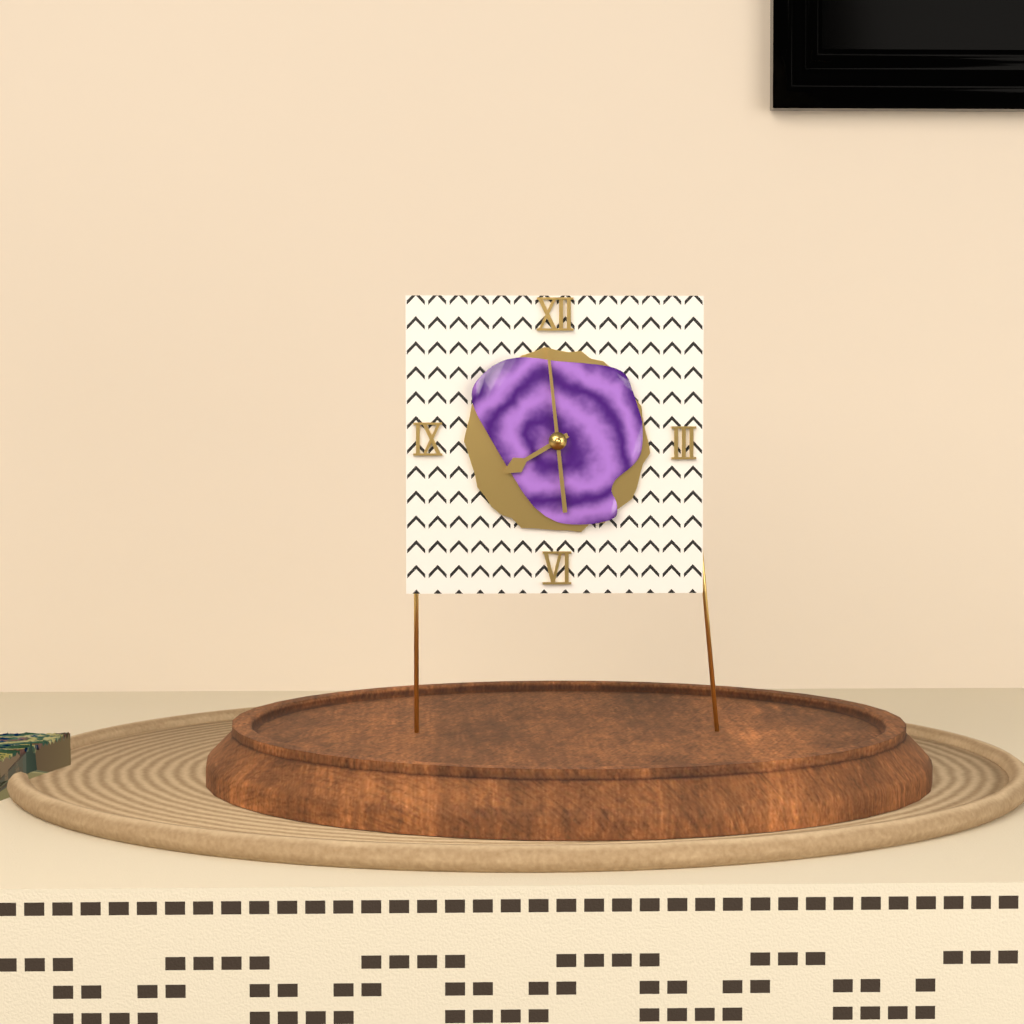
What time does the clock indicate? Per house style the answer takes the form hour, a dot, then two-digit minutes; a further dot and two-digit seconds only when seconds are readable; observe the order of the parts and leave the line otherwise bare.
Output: 7.59
